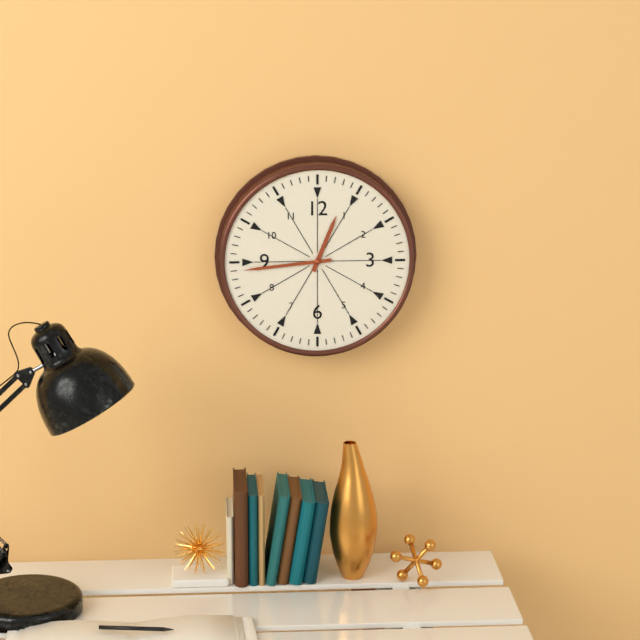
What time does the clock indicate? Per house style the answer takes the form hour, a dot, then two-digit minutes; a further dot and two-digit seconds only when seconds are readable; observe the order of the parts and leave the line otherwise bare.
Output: 12.44
